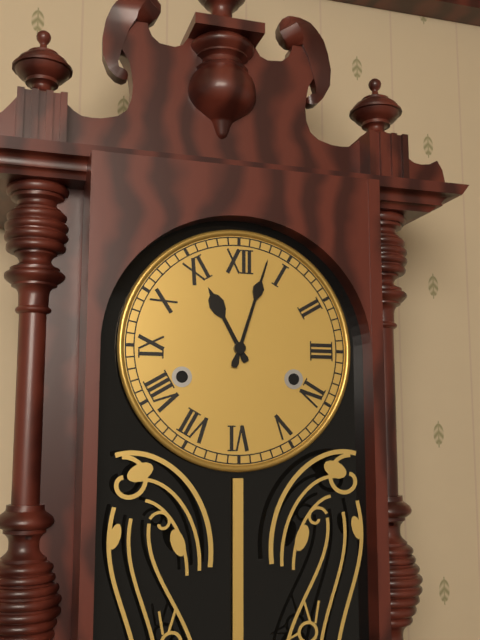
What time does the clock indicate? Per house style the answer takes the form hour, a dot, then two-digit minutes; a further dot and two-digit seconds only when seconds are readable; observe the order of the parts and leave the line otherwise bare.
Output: 11.03
